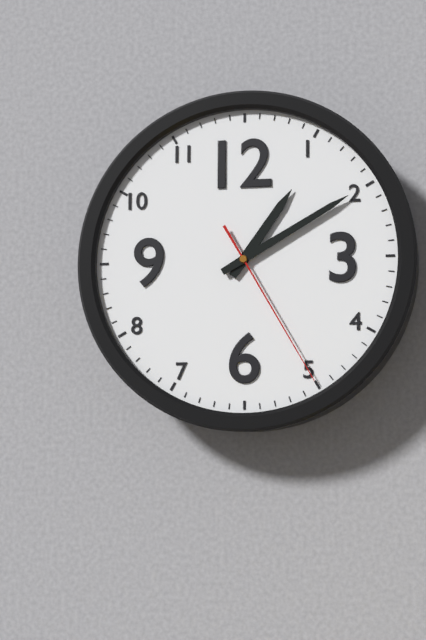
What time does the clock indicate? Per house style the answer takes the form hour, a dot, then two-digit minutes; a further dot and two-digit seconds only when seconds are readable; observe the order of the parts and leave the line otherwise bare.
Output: 1.10.25
